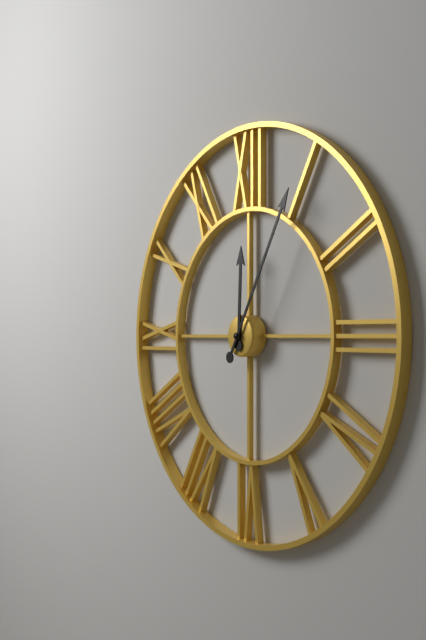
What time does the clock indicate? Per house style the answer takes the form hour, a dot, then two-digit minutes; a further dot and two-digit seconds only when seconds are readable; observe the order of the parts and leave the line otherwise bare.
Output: 12.05
